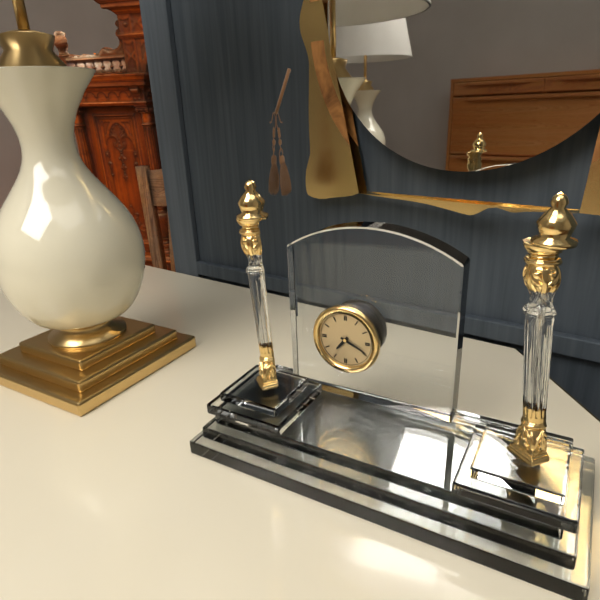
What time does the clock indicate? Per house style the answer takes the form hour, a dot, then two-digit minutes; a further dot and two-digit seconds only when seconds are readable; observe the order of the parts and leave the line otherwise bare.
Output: 7.19
